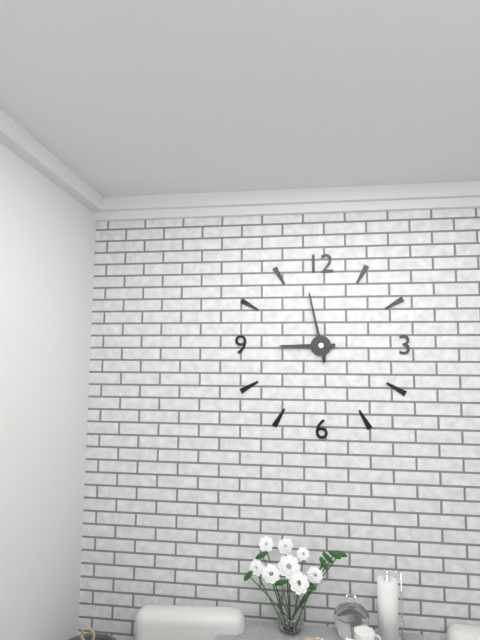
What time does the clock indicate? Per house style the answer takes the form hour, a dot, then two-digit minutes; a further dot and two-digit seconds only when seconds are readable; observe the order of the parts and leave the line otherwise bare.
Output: 8.58
